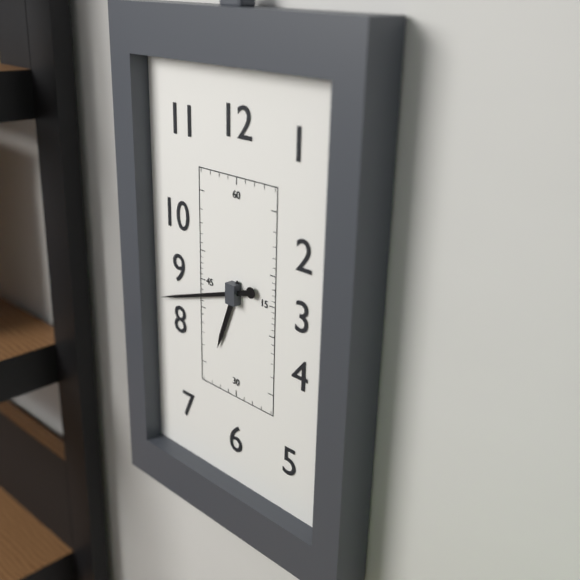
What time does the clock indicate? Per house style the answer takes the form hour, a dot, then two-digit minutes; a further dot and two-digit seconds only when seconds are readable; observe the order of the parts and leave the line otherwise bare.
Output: 6.42
